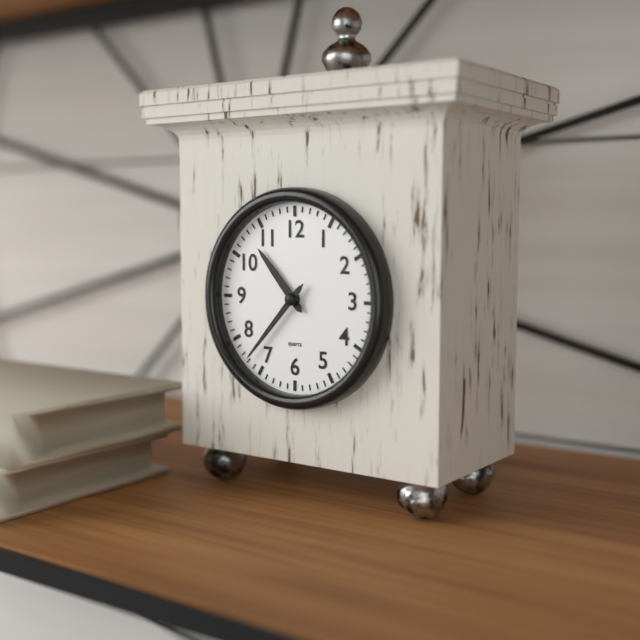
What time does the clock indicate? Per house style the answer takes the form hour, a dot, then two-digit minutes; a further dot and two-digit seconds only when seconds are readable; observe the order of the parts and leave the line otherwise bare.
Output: 10.37
